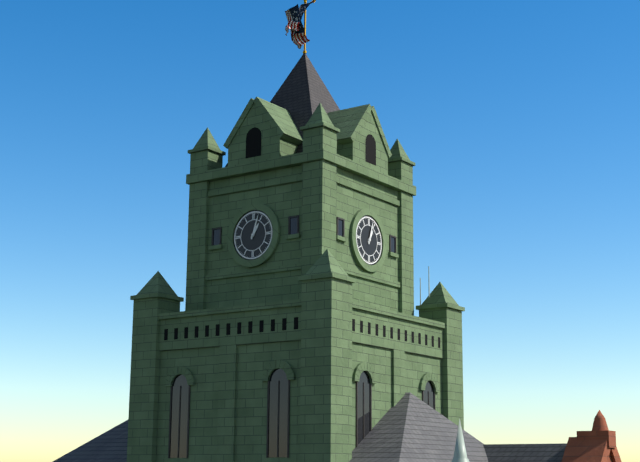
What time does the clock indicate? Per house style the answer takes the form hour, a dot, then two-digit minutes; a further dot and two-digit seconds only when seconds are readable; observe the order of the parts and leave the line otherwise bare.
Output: 1.03
